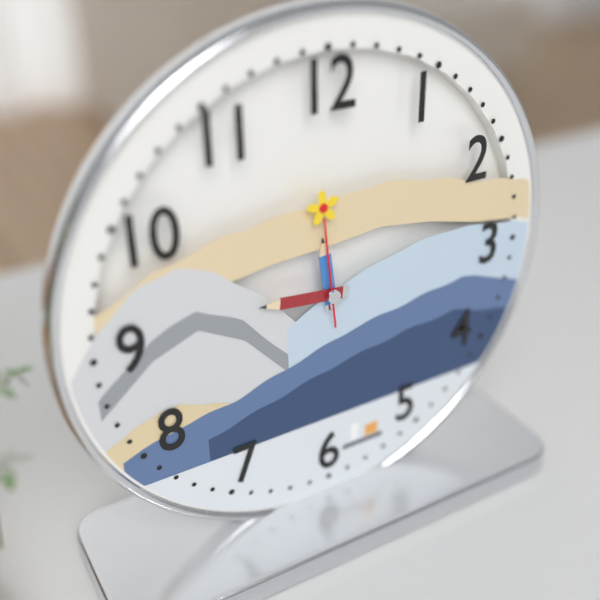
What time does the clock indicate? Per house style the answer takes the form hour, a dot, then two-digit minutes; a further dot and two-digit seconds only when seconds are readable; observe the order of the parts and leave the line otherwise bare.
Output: 11.46.59
